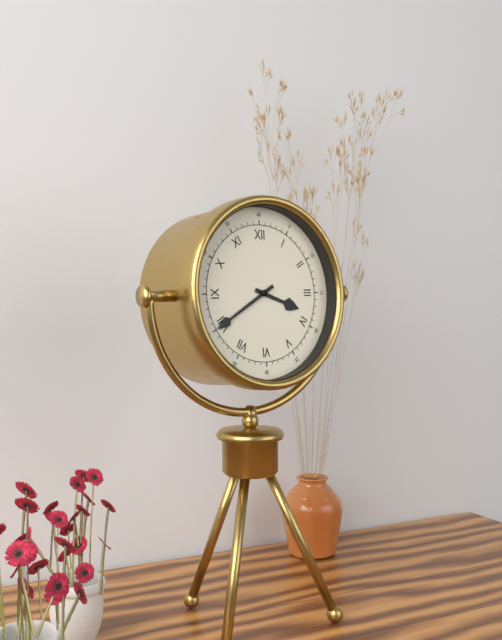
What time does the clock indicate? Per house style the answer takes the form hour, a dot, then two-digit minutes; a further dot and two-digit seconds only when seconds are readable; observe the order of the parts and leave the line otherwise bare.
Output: 3.40
